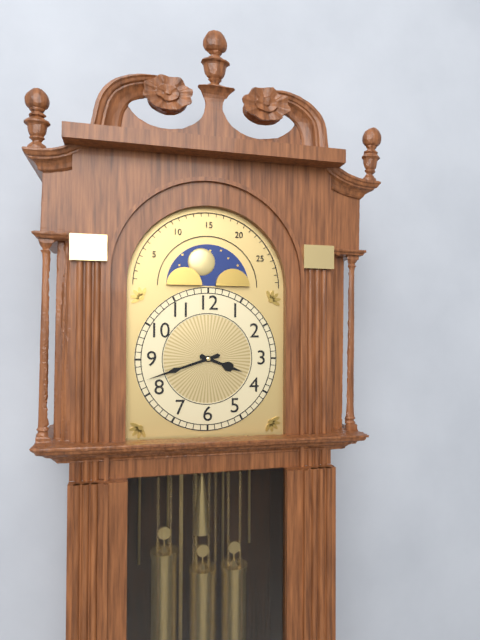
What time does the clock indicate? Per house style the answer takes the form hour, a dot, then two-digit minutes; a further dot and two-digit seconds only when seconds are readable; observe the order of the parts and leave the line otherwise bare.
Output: 3.42
